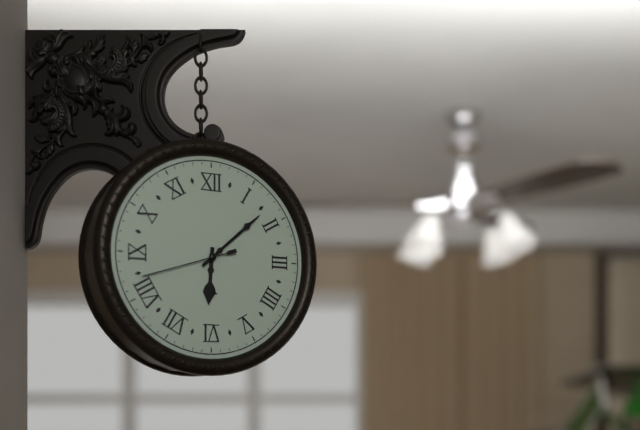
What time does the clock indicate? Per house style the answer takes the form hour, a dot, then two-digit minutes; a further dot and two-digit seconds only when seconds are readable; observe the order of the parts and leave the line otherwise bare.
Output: 6.08.42
